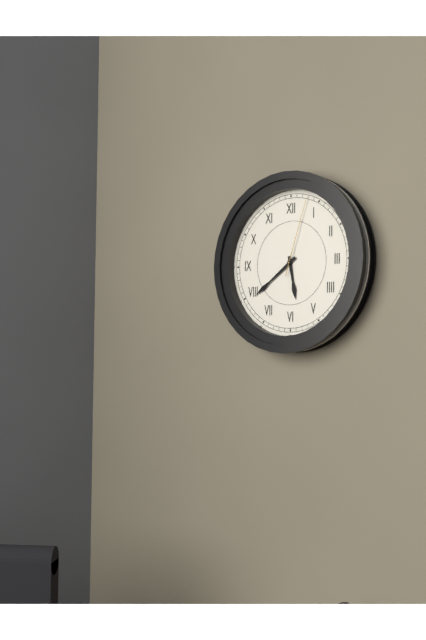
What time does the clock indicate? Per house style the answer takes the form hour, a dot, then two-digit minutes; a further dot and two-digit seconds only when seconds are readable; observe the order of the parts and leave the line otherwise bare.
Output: 5.39.03
